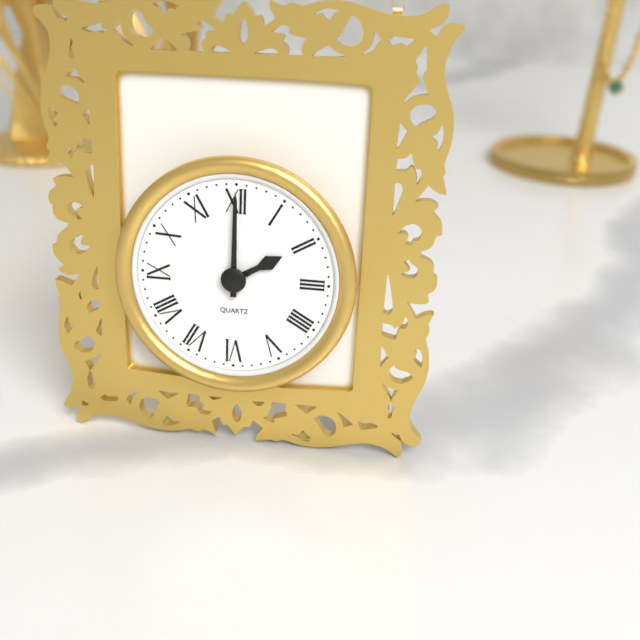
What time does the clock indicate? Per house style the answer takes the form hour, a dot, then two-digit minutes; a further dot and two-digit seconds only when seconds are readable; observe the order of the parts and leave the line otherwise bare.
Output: 2.00
